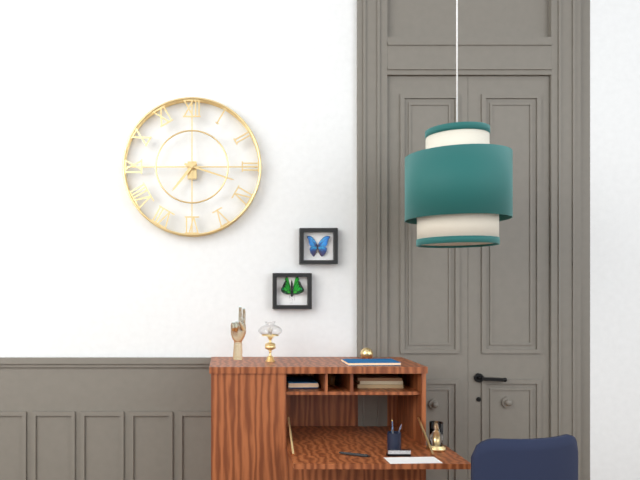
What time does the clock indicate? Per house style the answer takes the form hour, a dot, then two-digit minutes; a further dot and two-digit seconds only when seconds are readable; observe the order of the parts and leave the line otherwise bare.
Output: 7.18
